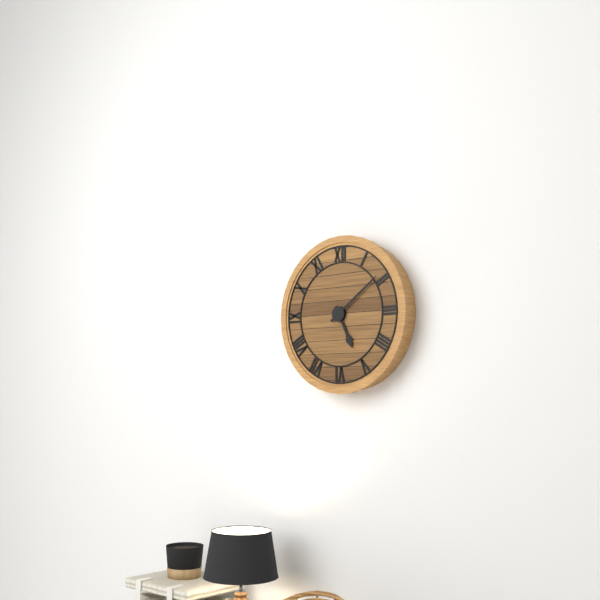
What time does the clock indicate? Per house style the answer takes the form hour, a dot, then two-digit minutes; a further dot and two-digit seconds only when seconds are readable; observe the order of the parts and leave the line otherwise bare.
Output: 5.09
